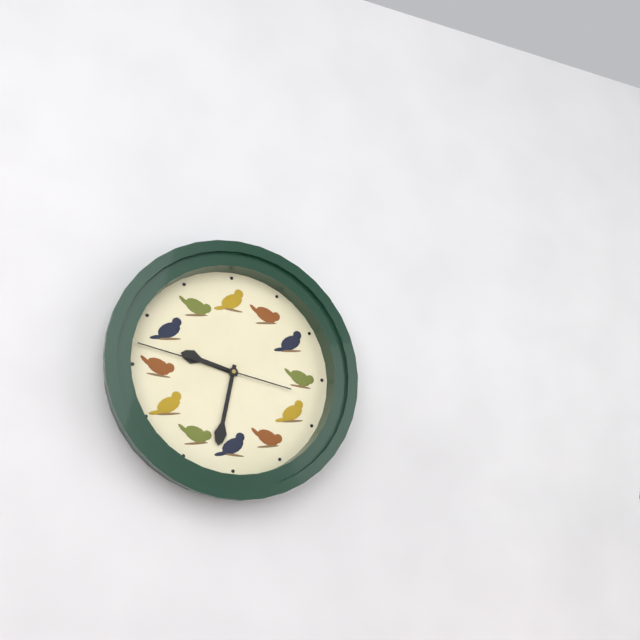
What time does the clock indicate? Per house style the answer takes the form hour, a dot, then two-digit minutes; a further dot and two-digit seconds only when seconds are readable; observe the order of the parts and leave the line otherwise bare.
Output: 9.32.47
